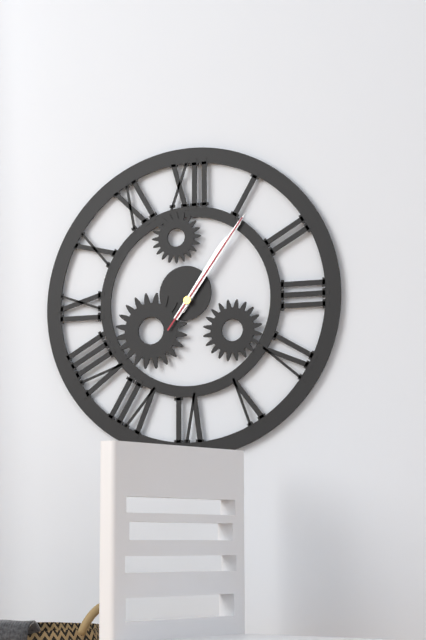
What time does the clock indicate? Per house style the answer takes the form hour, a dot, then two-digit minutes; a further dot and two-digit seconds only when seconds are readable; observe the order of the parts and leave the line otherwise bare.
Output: 1.06.06
